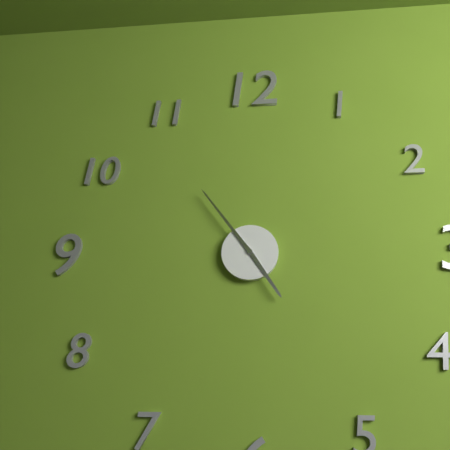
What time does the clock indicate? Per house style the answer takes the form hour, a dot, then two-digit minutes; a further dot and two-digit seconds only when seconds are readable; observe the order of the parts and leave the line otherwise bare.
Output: 4.54
